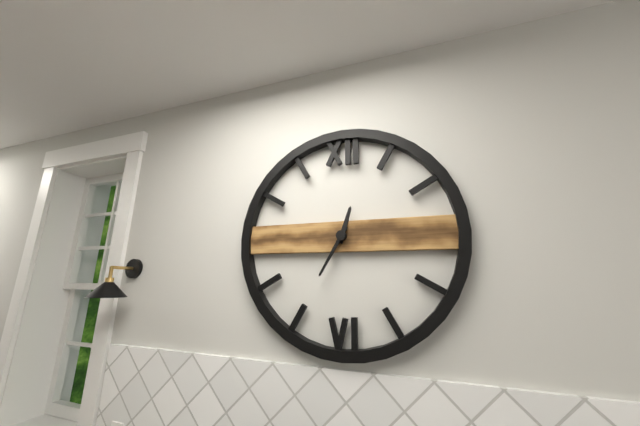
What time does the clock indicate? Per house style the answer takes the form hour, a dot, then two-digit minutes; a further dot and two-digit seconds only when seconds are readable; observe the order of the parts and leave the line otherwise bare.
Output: 12.35
